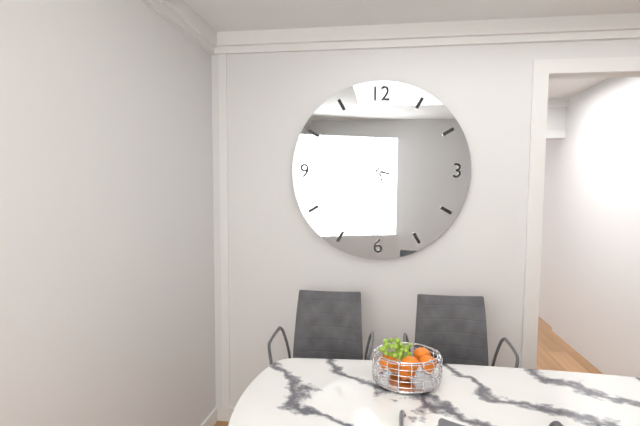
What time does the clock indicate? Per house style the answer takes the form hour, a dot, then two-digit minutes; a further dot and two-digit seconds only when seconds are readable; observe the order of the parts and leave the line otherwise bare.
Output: 3.27
